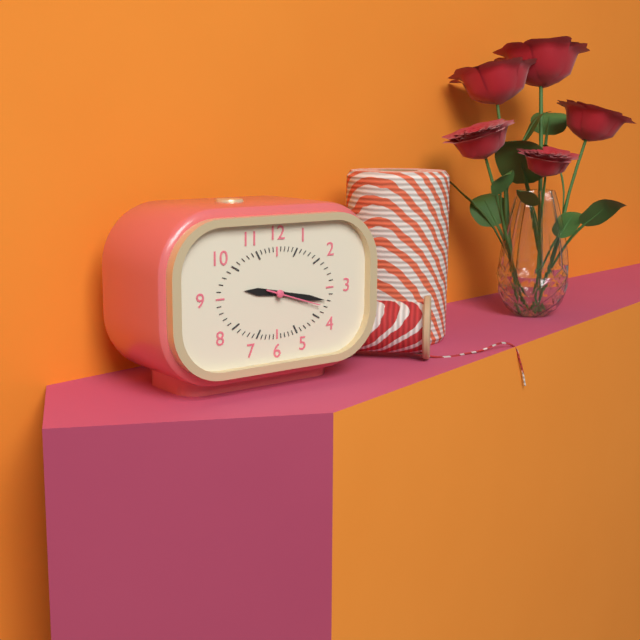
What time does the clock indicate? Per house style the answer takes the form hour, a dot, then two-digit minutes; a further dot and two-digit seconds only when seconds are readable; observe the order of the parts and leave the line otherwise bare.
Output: 9.17.18
